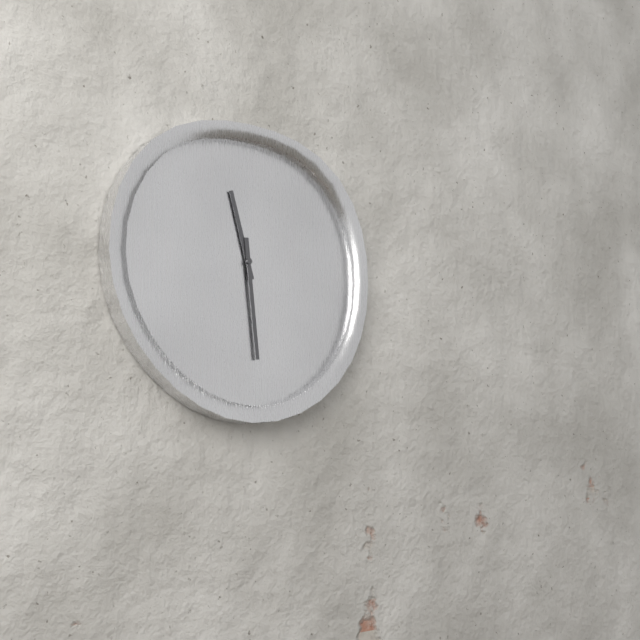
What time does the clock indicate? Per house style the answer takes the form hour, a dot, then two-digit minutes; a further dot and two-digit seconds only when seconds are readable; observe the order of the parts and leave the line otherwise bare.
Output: 11.29
